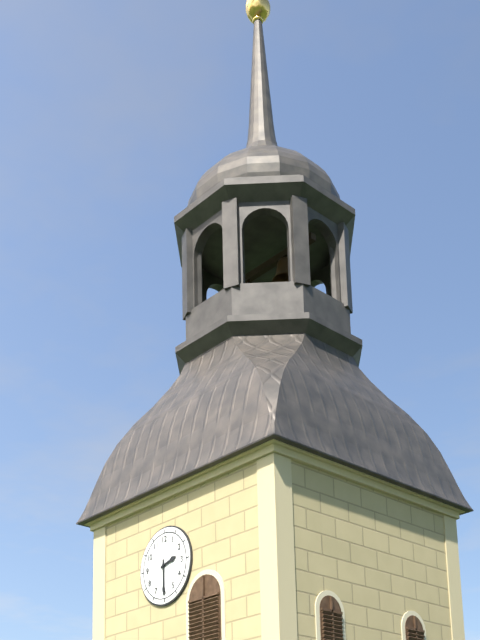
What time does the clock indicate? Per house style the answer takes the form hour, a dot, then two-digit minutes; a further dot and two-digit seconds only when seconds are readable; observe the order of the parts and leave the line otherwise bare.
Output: 2.30
